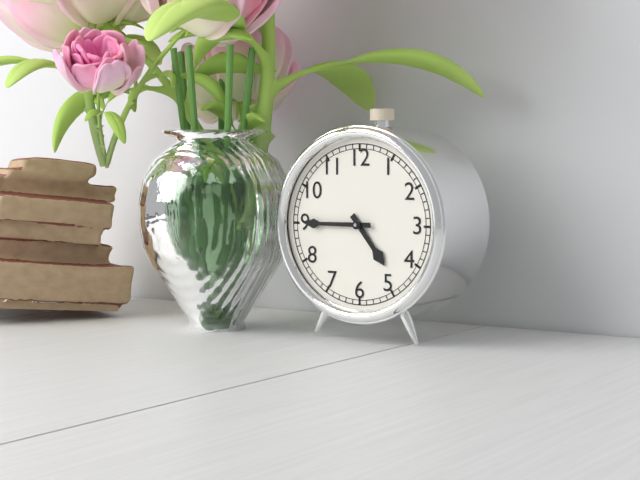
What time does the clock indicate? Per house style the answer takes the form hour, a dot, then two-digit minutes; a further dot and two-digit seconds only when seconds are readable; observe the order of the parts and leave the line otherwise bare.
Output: 4.45
